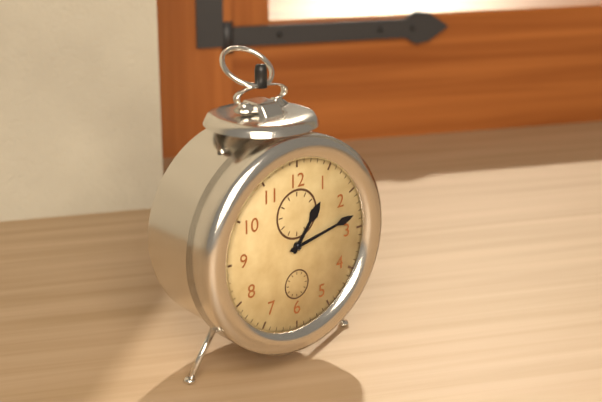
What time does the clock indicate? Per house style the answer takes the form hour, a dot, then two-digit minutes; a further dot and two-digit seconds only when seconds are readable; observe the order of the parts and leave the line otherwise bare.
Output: 1.13
